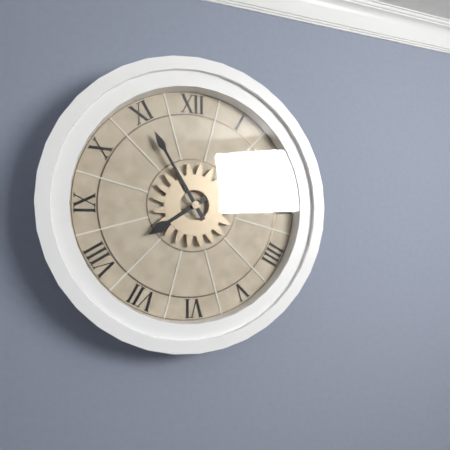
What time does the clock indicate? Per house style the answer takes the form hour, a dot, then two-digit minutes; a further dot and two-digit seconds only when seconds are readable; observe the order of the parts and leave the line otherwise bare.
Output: 7.55
